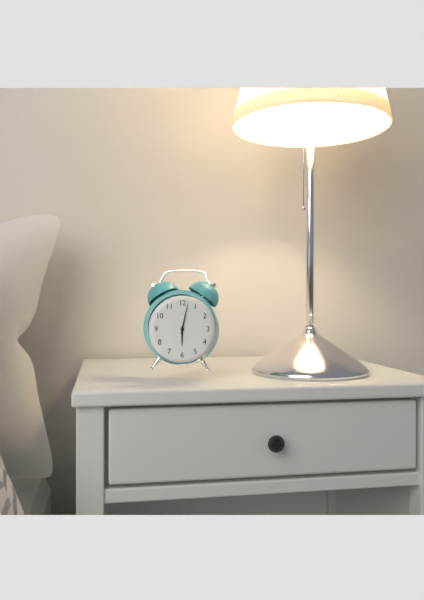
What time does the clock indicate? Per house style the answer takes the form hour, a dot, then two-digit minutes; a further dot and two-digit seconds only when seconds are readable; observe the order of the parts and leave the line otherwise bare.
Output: 6.02
